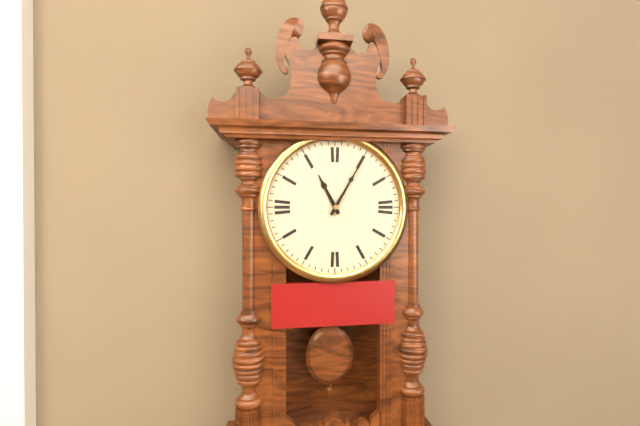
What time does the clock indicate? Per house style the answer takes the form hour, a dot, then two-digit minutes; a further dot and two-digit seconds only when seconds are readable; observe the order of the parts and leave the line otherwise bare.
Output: 11.05
